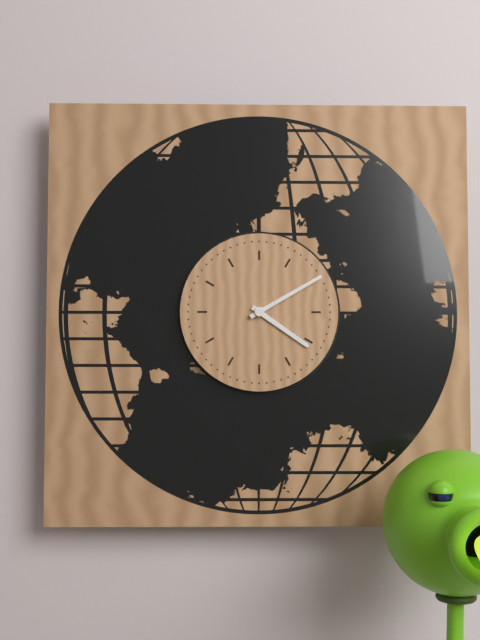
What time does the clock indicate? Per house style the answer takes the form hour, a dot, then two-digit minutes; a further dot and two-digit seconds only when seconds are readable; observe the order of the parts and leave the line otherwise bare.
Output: 4.10
